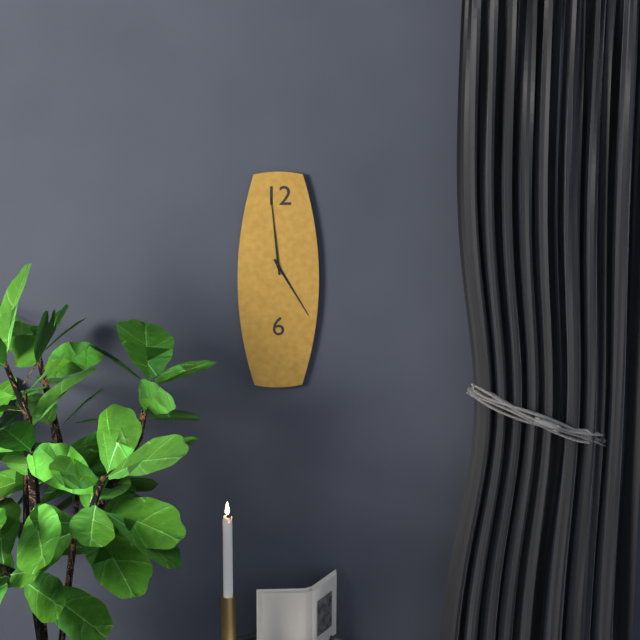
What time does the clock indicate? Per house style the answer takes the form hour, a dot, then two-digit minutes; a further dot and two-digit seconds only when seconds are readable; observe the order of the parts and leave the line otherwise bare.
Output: 4.59
